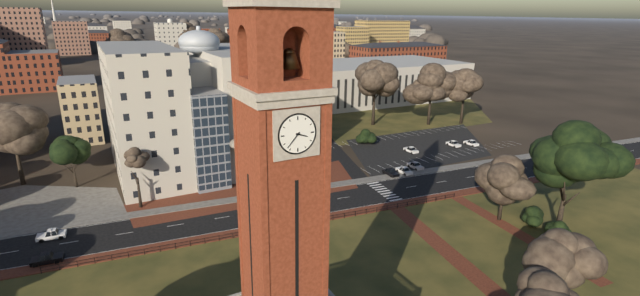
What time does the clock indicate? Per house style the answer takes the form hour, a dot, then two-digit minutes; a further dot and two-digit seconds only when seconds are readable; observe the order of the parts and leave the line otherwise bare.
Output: 3.37
